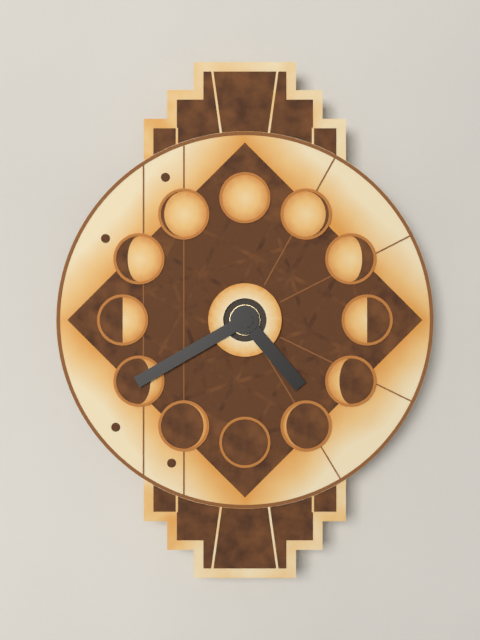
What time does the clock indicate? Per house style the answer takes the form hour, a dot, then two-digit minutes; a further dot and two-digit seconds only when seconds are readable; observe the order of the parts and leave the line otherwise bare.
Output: 4.40
